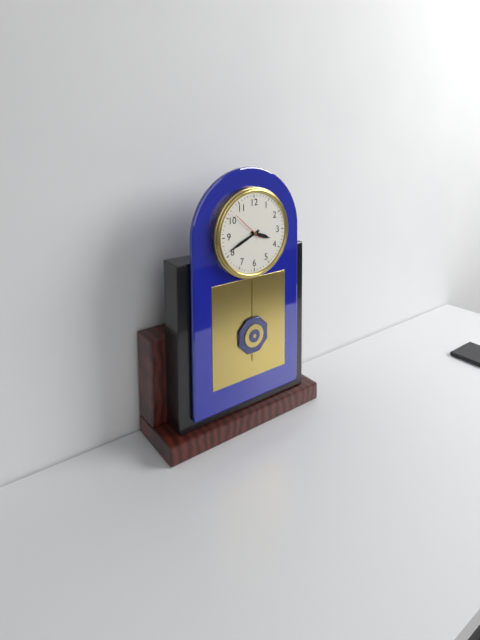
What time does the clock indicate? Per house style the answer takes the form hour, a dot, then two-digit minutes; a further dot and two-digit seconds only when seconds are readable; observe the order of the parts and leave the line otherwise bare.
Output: 3.41
